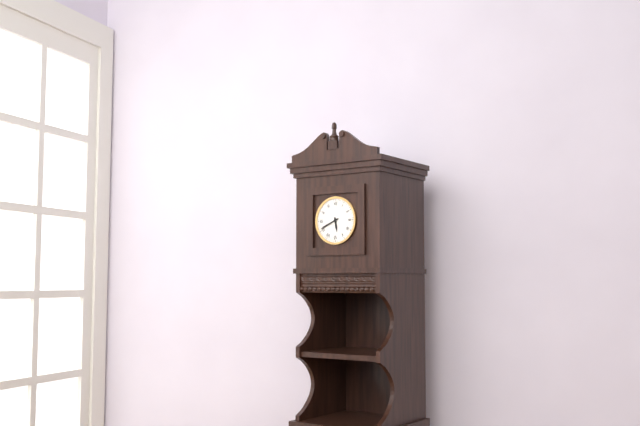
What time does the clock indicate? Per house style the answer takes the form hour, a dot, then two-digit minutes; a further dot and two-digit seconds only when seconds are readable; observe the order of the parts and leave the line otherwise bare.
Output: 5.41
